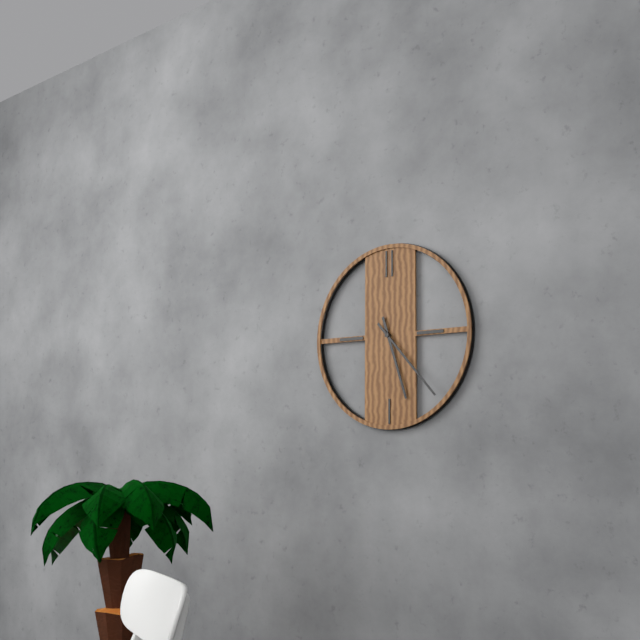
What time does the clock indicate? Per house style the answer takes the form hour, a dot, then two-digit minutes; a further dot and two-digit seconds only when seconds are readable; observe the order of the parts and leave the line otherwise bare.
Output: 5.23
